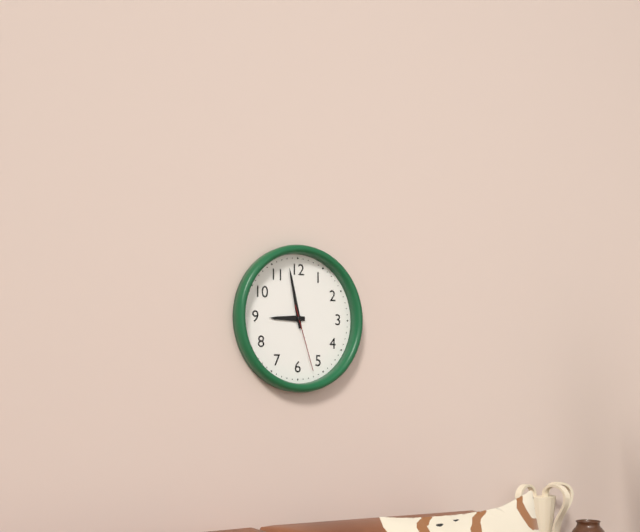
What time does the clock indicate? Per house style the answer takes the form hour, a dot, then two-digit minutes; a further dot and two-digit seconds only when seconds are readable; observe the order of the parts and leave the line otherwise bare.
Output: 8.58.27
